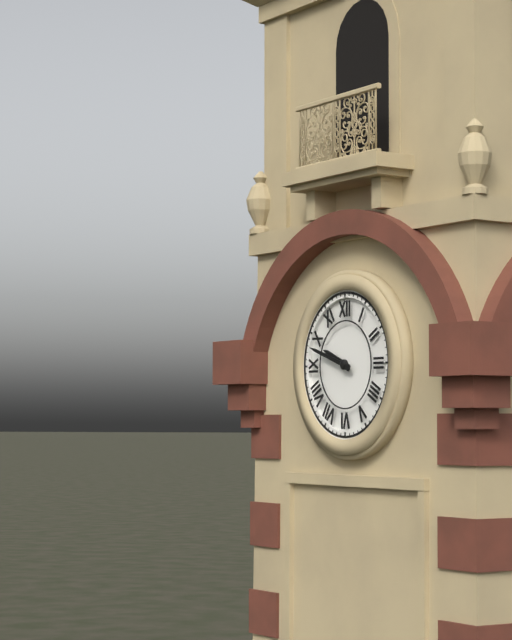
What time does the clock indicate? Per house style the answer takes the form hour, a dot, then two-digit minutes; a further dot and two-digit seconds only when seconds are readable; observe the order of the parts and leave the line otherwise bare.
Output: 9.48
